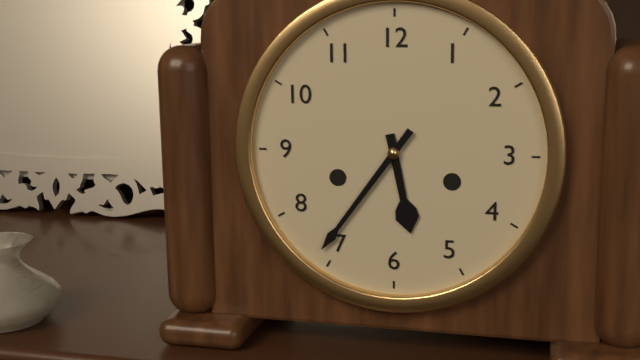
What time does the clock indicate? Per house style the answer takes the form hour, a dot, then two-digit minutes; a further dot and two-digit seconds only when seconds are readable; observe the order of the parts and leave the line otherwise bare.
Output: 5.36
